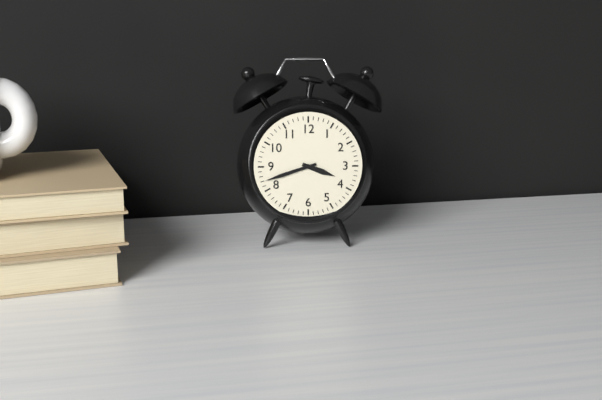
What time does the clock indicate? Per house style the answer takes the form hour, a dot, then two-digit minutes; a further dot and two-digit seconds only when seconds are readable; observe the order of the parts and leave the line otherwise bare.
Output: 3.42
